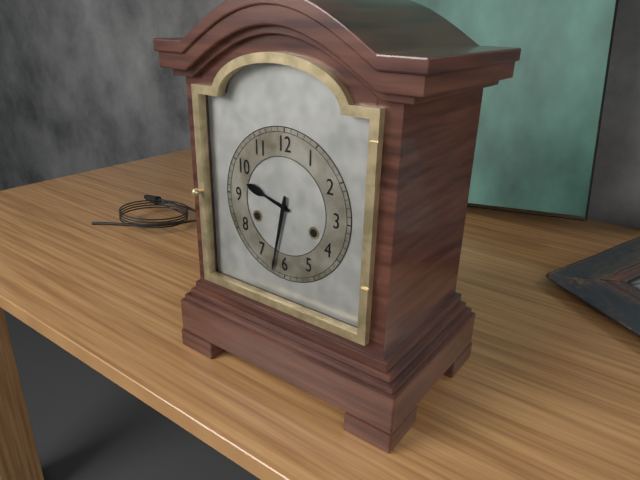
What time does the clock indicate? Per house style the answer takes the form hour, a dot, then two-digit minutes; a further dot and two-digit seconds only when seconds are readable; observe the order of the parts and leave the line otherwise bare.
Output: 9.32
